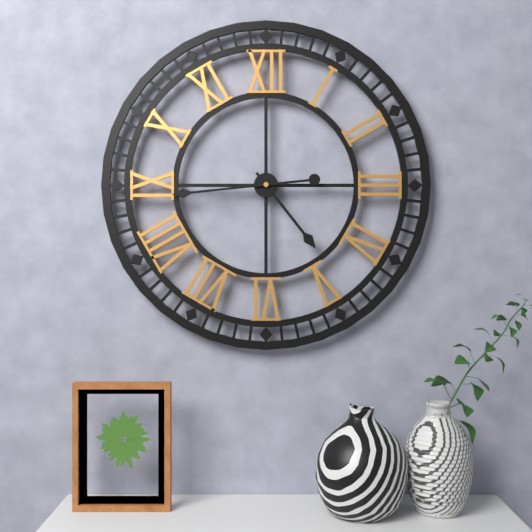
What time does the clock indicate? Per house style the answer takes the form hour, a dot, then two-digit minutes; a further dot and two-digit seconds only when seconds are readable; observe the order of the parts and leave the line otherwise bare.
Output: 4.44
